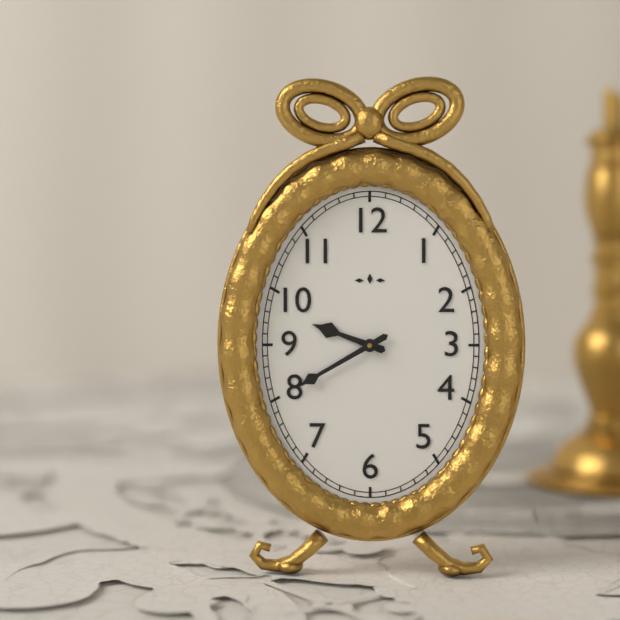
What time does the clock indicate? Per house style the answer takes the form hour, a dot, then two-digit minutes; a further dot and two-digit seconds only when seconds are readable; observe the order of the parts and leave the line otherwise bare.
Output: 9.40
